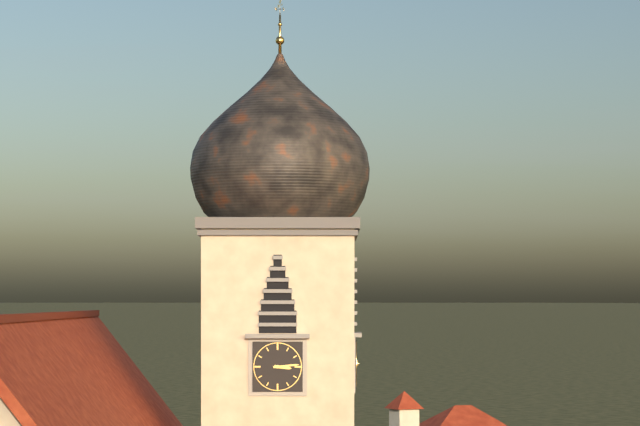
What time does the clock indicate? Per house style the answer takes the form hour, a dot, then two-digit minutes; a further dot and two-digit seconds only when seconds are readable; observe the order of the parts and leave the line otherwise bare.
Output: 3.14
